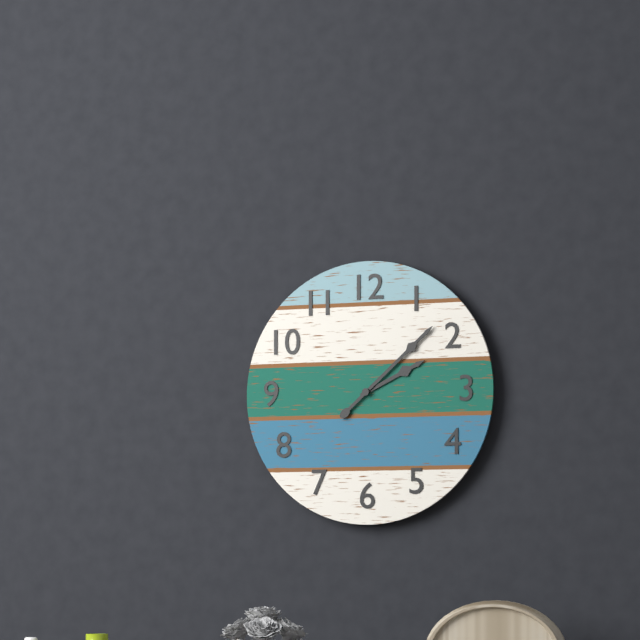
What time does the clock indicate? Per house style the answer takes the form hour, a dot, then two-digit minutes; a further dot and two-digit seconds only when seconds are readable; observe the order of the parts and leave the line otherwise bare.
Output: 2.08
